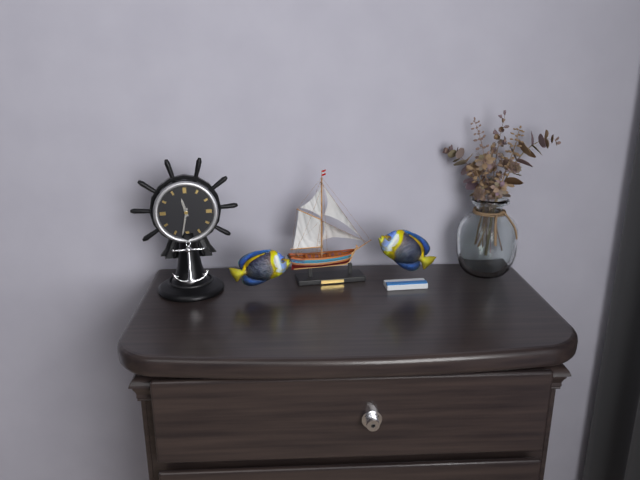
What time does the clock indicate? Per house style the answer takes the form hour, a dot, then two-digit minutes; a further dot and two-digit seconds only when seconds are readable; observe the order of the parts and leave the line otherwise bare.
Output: 11.32
